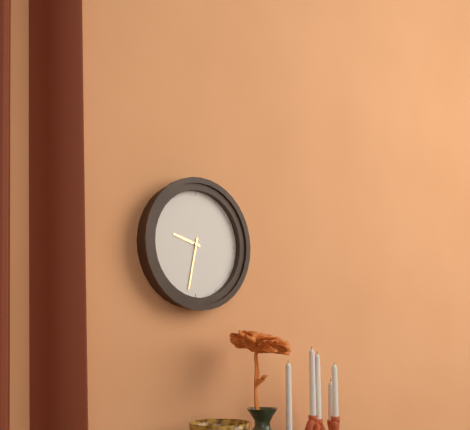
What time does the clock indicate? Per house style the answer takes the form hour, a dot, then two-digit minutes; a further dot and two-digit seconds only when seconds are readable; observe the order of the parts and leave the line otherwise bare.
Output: 9.32
